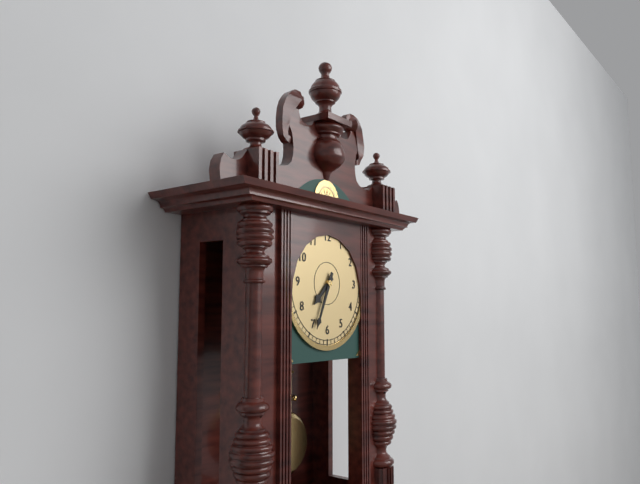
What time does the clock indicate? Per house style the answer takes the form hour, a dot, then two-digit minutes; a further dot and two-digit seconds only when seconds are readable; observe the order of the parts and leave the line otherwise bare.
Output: 7.34
